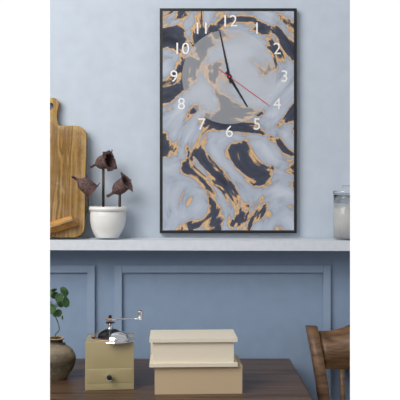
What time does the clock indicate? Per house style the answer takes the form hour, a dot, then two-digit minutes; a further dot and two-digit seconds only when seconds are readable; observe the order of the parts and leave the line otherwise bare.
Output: 4.58.21
